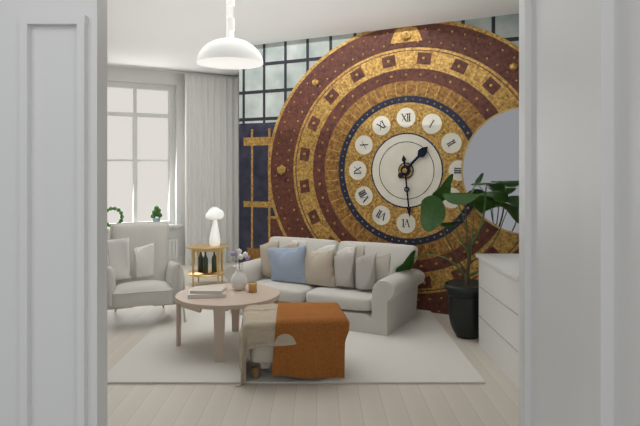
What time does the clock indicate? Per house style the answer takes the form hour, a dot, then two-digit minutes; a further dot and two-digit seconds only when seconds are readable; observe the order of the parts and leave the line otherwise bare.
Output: 1.29
